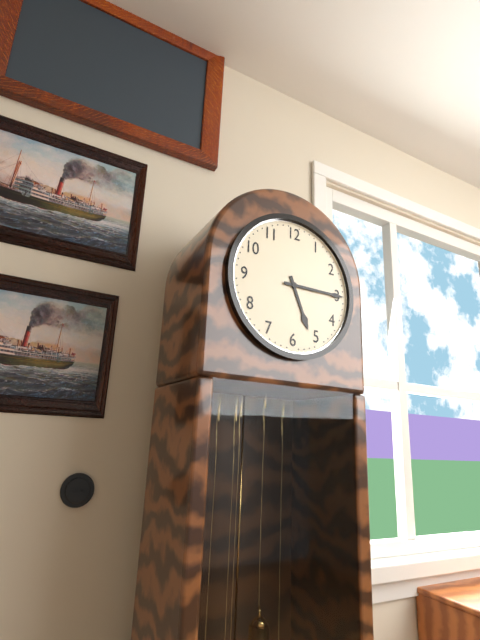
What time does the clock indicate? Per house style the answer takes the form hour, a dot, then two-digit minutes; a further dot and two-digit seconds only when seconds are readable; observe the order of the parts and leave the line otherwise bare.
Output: 5.15
